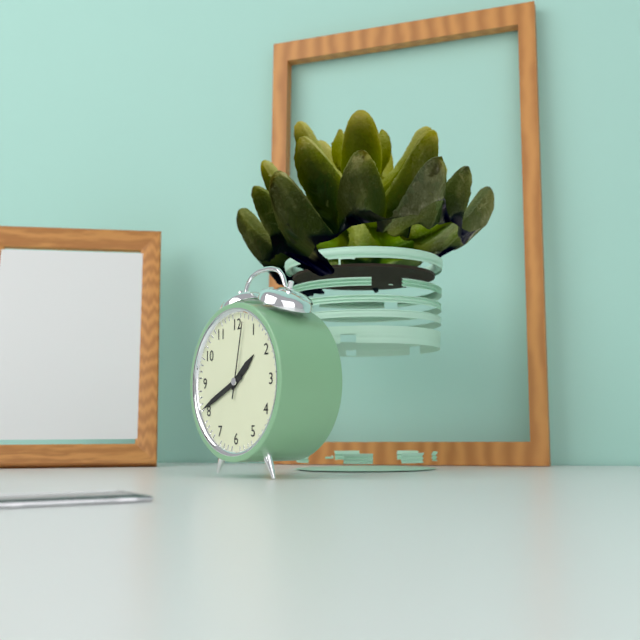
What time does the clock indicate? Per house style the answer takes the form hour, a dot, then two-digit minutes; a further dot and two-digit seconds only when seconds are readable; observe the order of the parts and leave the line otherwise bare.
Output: 1.41.02
